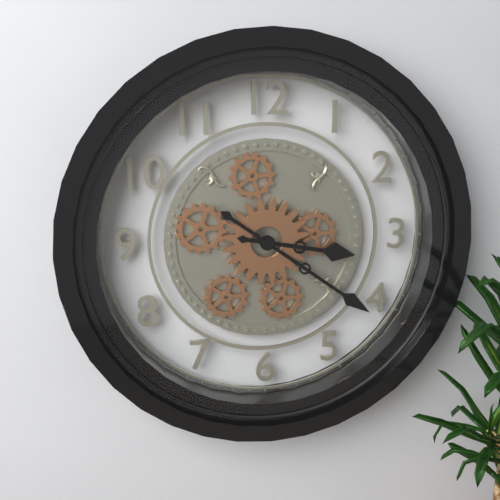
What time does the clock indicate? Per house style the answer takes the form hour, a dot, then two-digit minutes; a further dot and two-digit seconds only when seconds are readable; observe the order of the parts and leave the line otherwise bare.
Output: 3.21
